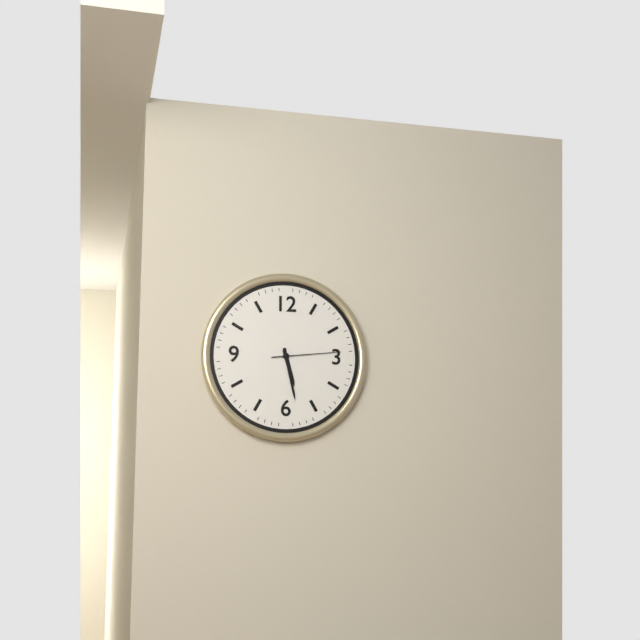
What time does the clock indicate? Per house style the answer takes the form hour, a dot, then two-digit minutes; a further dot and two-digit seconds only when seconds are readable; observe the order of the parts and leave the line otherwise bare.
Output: 5.28.14
